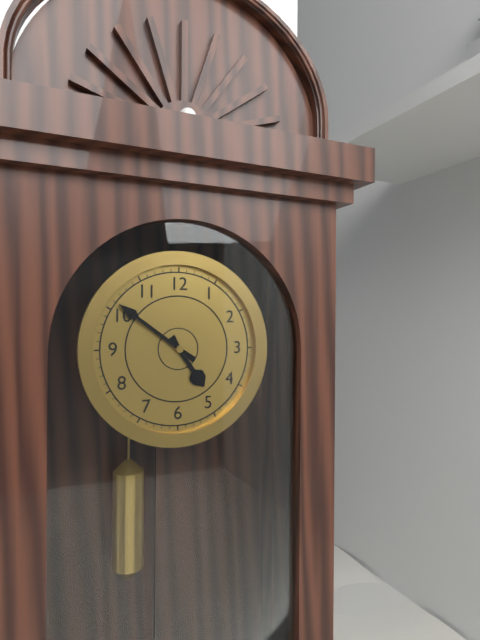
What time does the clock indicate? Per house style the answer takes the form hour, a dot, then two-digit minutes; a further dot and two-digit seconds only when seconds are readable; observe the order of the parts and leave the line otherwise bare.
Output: 4.51
